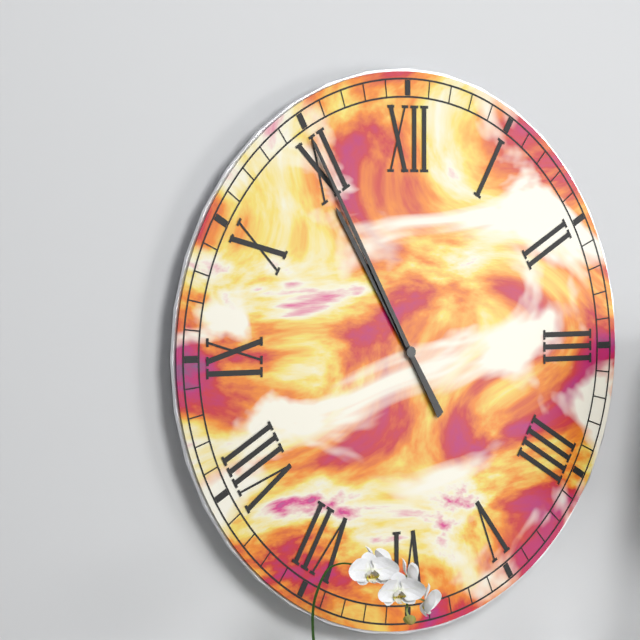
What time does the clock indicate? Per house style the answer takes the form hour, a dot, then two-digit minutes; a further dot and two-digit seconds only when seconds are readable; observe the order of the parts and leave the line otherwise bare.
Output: 10.55
